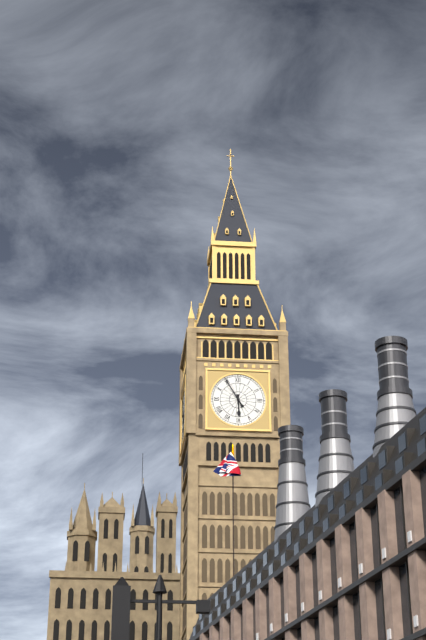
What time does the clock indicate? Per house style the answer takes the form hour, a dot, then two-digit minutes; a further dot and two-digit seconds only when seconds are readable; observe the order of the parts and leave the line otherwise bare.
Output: 5.55
